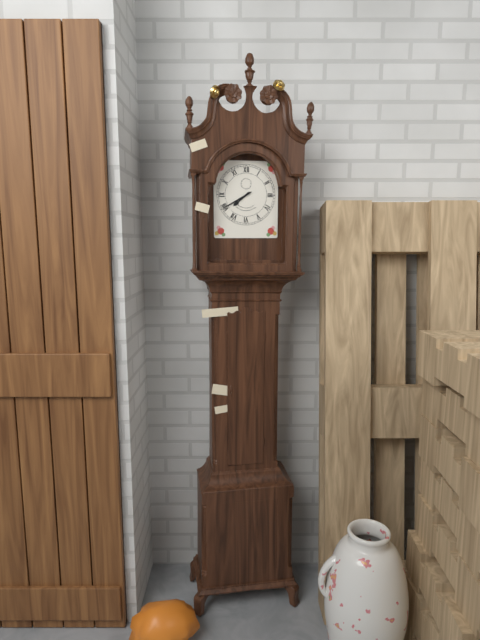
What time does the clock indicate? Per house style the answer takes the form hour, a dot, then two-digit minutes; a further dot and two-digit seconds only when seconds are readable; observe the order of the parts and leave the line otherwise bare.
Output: 7.40
